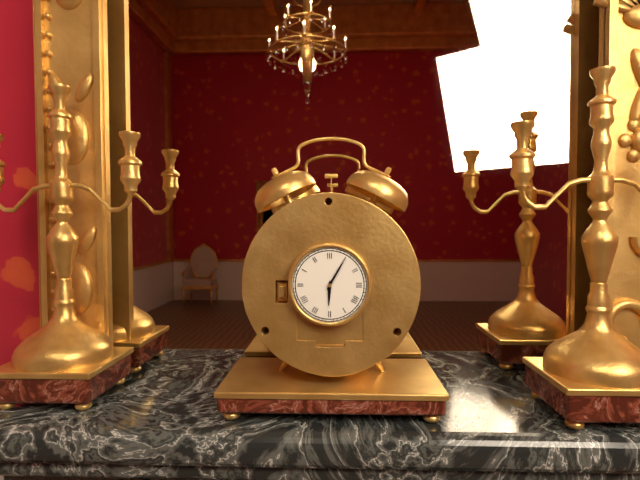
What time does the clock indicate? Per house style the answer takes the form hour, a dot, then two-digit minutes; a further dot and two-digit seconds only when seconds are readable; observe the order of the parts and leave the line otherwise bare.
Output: 6.05
